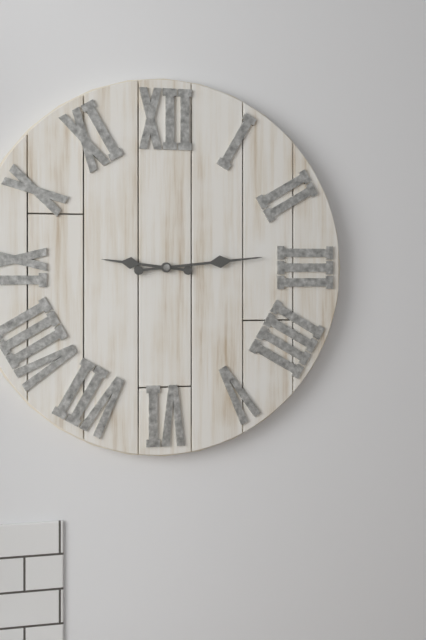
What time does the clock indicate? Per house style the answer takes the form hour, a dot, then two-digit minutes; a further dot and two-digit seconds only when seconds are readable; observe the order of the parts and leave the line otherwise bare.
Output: 9.14
